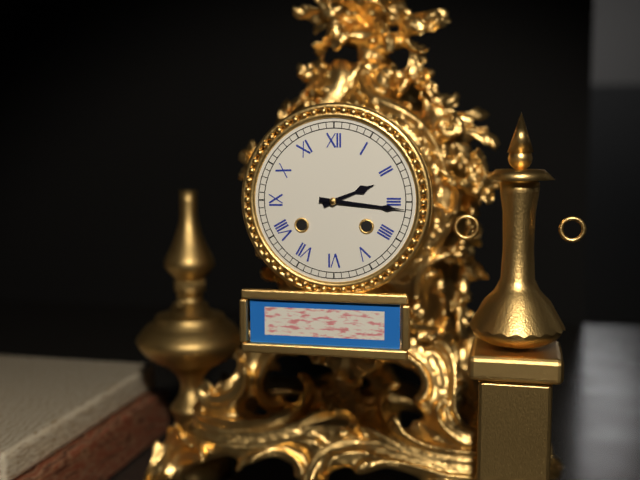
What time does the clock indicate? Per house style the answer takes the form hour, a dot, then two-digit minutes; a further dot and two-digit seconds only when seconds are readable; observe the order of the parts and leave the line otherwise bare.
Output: 2.16
